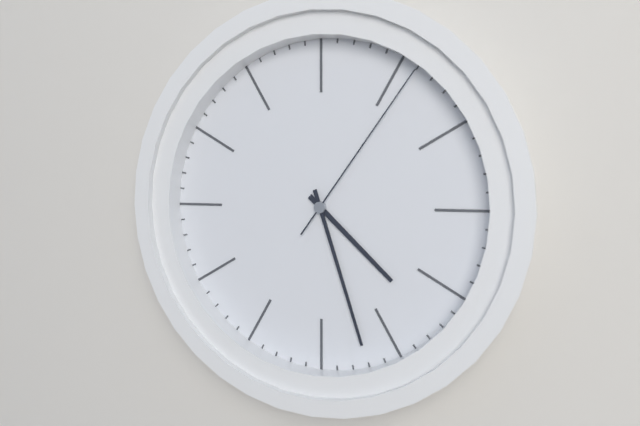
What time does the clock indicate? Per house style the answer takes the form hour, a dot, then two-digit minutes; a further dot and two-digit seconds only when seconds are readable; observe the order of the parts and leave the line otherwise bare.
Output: 4.27.06
